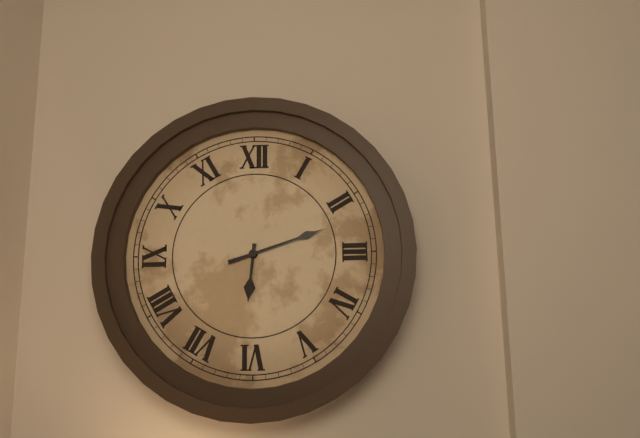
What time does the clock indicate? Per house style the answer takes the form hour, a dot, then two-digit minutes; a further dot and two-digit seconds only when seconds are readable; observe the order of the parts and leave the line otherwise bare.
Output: 6.12
